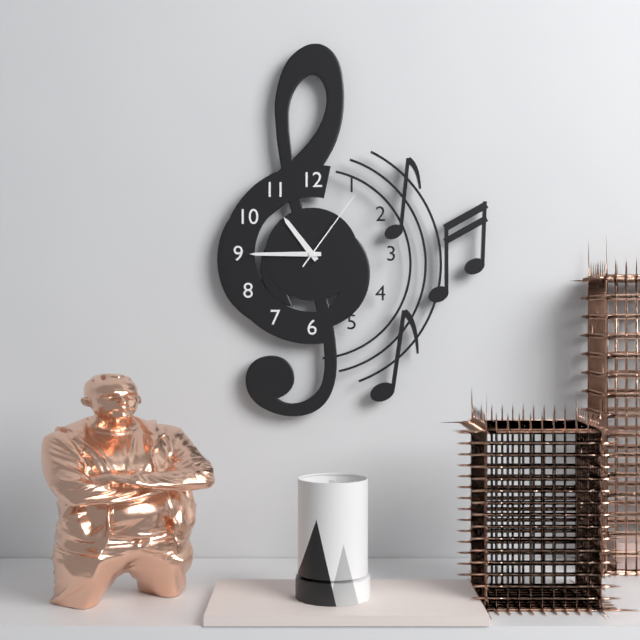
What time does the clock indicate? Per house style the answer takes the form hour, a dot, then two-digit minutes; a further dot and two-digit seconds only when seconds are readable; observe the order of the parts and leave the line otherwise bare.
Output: 10.45.06
